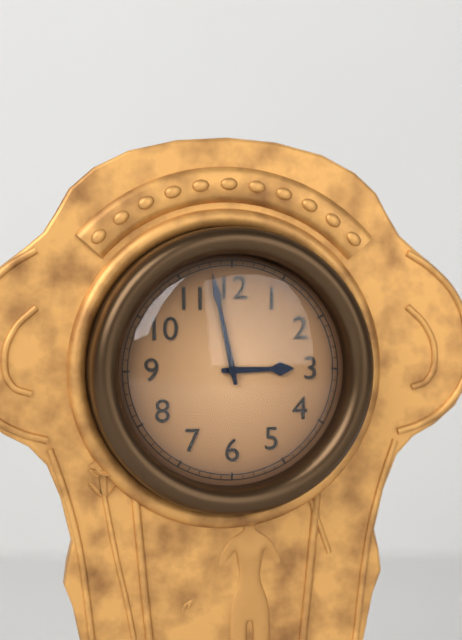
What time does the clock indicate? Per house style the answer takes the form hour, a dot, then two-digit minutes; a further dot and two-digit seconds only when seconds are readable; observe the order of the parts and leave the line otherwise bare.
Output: 2.58
